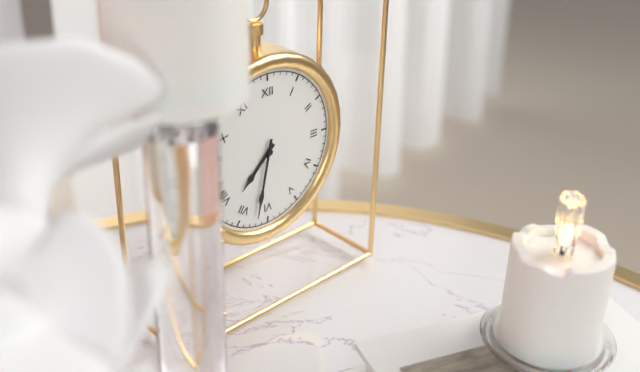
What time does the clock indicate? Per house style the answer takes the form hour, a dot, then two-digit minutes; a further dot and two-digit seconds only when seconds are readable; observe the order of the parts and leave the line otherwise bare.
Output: 7.32
